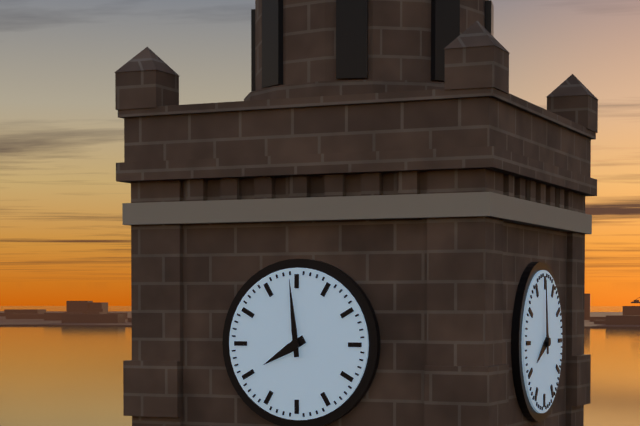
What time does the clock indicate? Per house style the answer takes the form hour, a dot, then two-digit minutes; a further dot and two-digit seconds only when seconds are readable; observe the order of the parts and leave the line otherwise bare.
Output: 7.59
